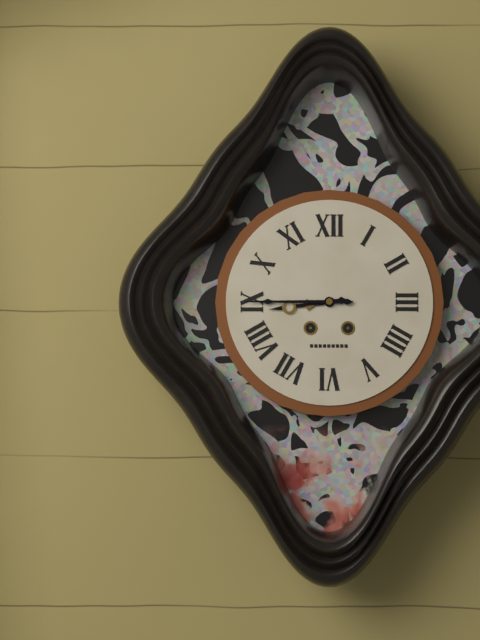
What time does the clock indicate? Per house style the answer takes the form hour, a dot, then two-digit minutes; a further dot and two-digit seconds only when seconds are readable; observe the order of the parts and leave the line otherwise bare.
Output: 8.45
